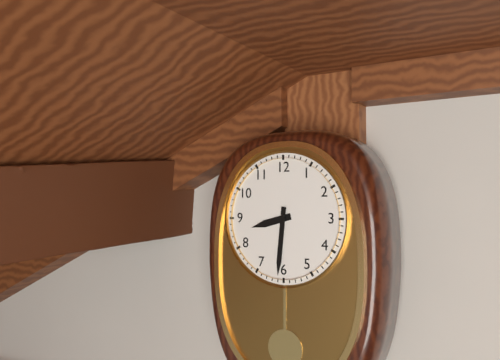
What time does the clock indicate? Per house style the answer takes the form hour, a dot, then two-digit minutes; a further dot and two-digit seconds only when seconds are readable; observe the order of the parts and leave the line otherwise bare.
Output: 8.31
